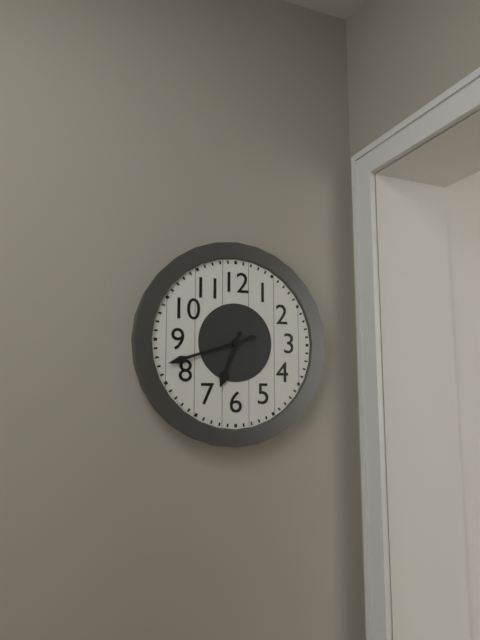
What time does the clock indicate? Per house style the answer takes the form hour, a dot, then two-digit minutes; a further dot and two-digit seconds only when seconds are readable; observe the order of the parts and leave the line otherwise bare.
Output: 6.42
